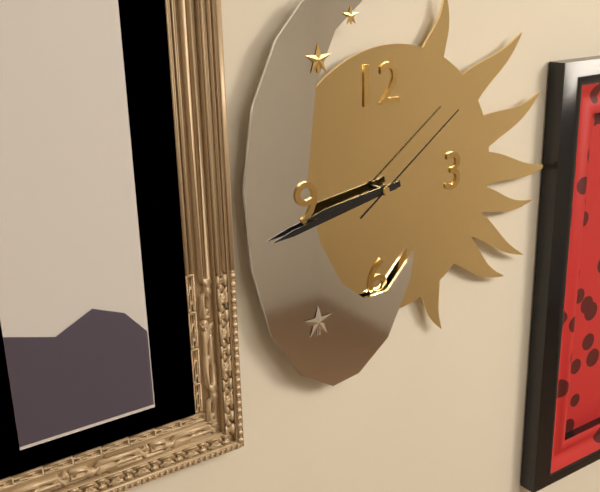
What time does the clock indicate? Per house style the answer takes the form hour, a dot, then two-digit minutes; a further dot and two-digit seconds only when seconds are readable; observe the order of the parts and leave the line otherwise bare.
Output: 8.43.09
